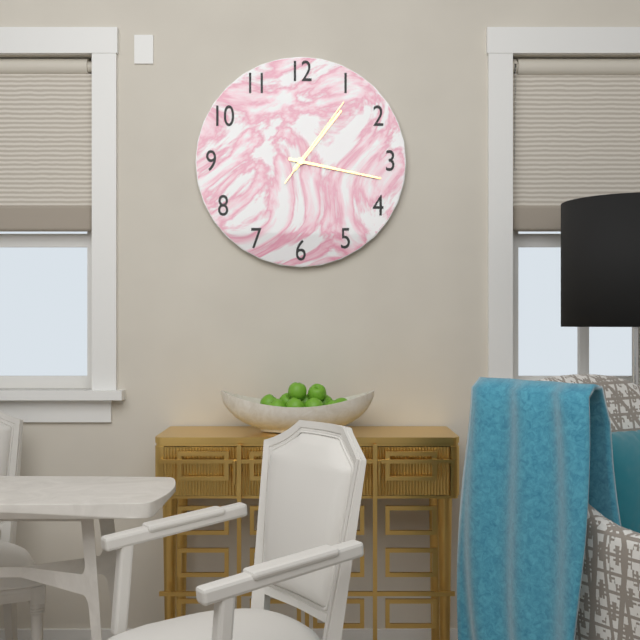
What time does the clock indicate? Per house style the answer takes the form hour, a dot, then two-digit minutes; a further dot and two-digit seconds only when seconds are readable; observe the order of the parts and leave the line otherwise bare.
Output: 1.17.06
